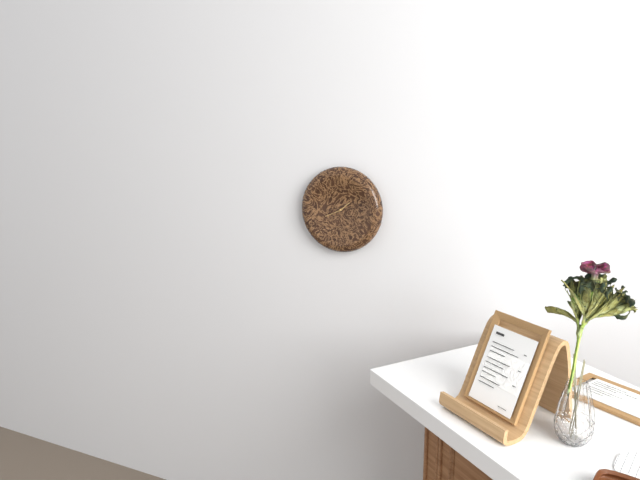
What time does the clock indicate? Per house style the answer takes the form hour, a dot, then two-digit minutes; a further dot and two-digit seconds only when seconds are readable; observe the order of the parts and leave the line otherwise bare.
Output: 1.41
